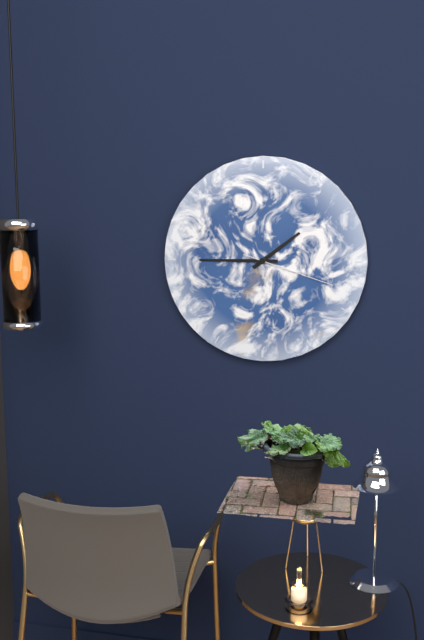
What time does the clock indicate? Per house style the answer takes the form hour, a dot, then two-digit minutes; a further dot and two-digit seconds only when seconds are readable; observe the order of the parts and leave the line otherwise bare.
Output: 1.45.18
